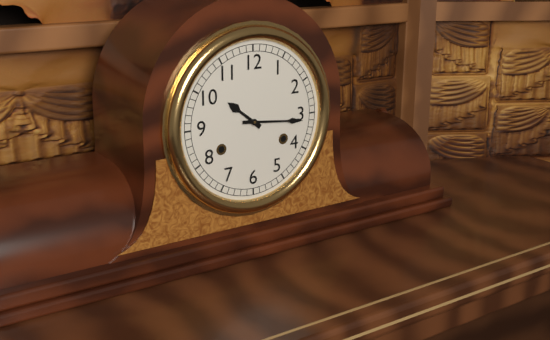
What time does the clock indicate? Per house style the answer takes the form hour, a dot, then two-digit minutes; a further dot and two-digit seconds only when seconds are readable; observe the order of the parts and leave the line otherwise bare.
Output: 10.16
